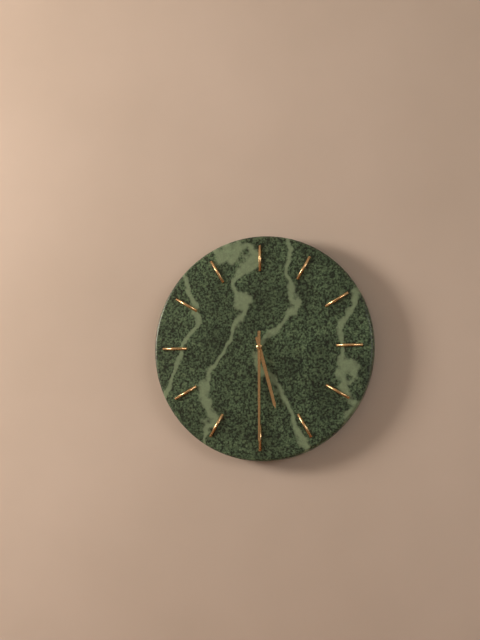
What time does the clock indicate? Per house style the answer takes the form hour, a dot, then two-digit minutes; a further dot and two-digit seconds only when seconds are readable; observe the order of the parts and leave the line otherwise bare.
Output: 5.30
